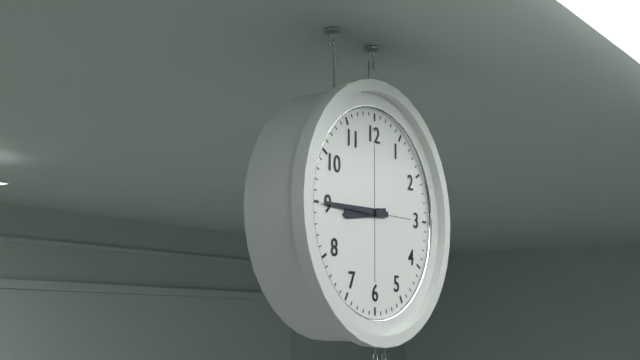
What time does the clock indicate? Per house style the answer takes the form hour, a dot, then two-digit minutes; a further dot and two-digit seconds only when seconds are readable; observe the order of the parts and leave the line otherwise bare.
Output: 8.45
